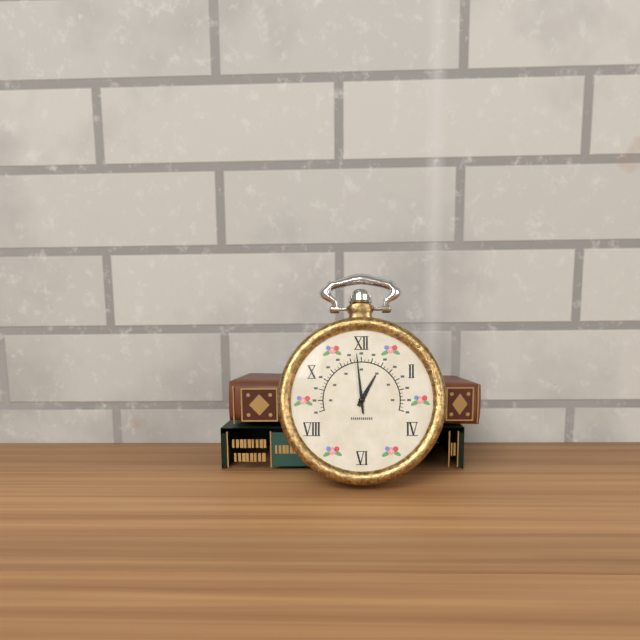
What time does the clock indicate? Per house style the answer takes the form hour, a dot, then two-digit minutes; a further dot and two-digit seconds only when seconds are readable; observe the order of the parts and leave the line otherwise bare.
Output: 12.59
